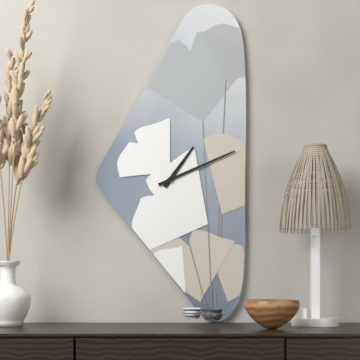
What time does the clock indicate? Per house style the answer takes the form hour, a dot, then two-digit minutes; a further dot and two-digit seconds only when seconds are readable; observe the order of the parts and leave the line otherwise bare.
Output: 1.11
